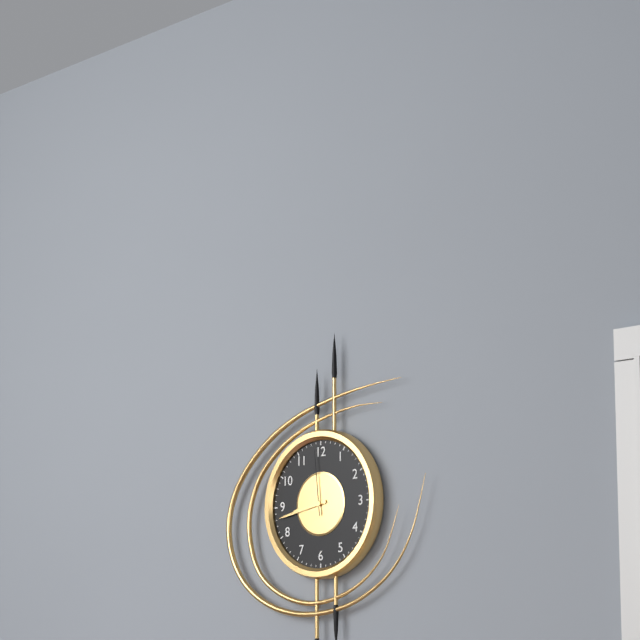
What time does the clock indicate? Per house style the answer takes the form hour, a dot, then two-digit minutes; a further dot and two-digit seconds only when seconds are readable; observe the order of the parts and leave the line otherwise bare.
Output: 8.43.59
